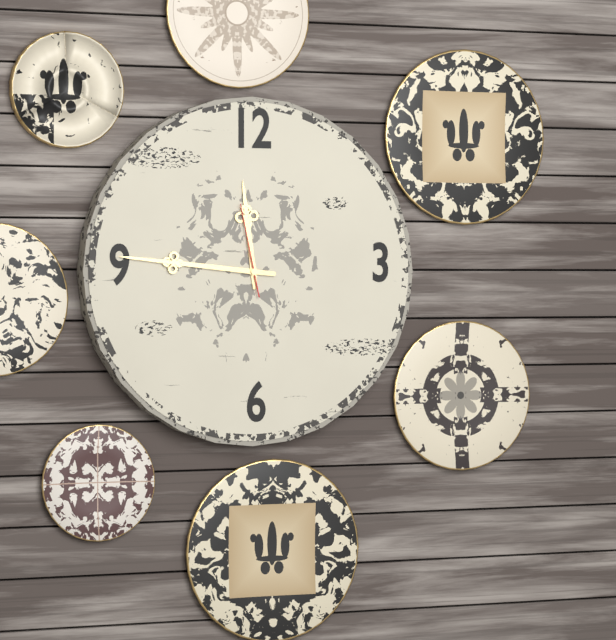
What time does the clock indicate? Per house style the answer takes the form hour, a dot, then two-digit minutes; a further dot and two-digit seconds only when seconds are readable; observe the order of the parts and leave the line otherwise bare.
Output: 11.46.58
